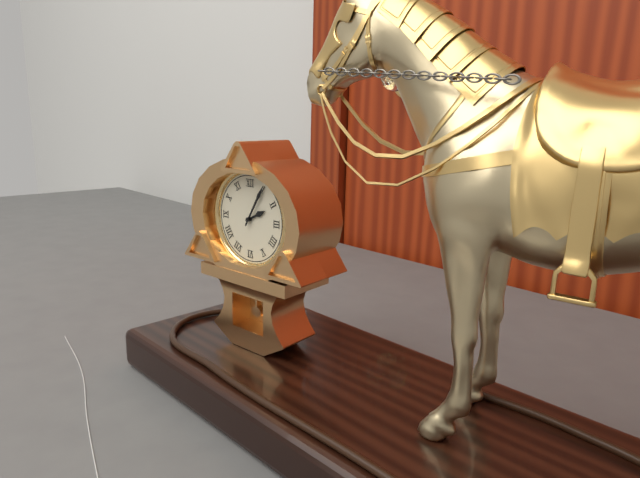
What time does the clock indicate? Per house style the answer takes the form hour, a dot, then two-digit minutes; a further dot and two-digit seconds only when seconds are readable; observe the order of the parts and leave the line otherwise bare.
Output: 2.05
